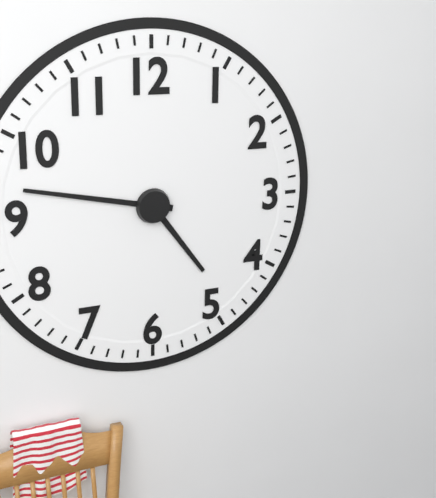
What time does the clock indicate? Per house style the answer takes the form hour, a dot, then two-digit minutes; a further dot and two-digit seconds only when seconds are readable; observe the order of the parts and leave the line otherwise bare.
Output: 4.47
